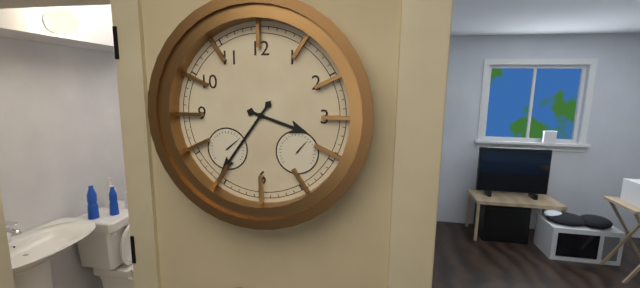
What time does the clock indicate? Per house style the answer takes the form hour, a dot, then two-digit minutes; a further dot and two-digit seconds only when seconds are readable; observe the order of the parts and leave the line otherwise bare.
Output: 3.36
